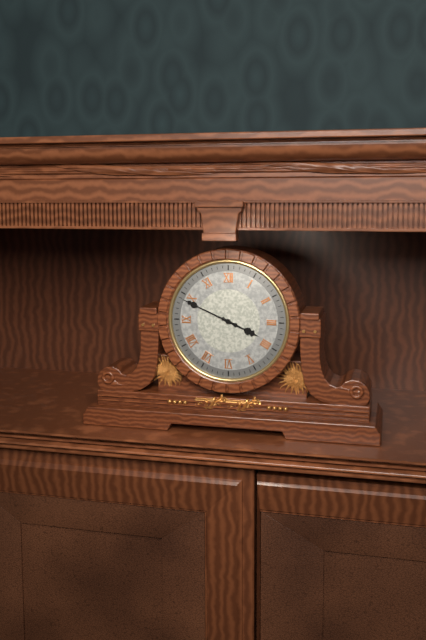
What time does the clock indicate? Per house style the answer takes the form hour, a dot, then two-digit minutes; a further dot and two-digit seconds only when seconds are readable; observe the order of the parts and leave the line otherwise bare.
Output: 3.49
